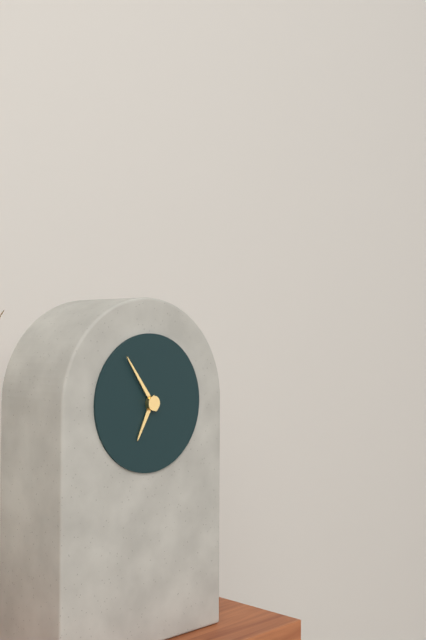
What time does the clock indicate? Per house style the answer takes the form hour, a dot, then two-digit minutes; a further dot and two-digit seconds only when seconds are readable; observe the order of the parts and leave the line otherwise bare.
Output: 6.54
